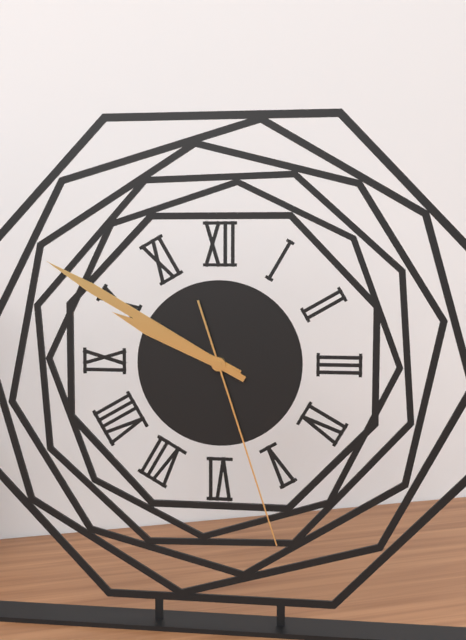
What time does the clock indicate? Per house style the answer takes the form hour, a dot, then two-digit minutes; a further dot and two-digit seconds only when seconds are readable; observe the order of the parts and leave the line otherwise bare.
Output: 9.50.27
